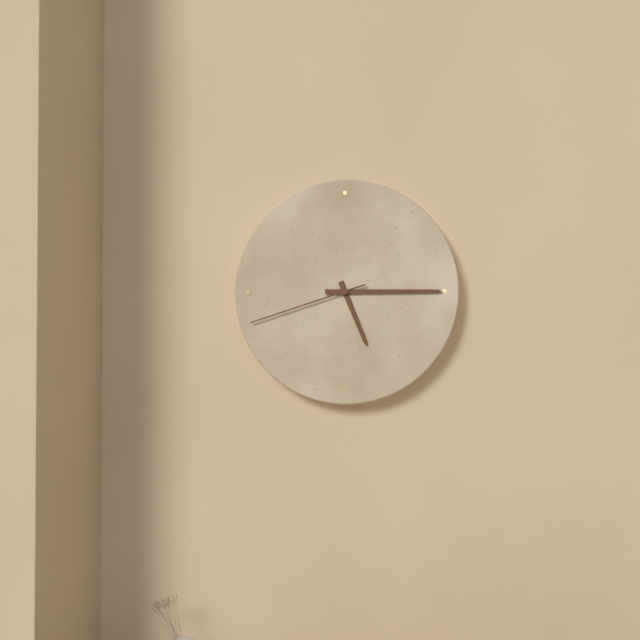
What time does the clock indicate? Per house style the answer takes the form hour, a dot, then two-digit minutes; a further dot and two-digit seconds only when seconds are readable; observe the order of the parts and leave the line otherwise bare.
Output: 5.15.42
